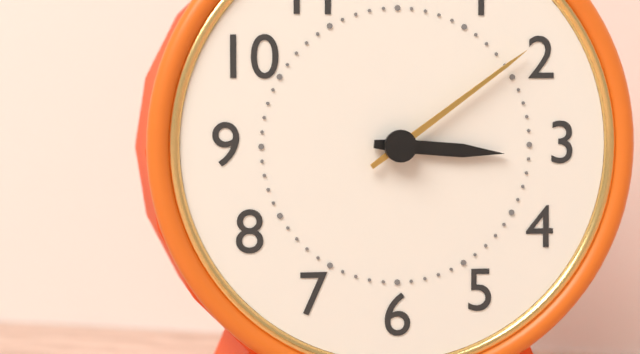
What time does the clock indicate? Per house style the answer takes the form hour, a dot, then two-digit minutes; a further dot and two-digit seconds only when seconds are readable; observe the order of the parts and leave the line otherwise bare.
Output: 3.09
